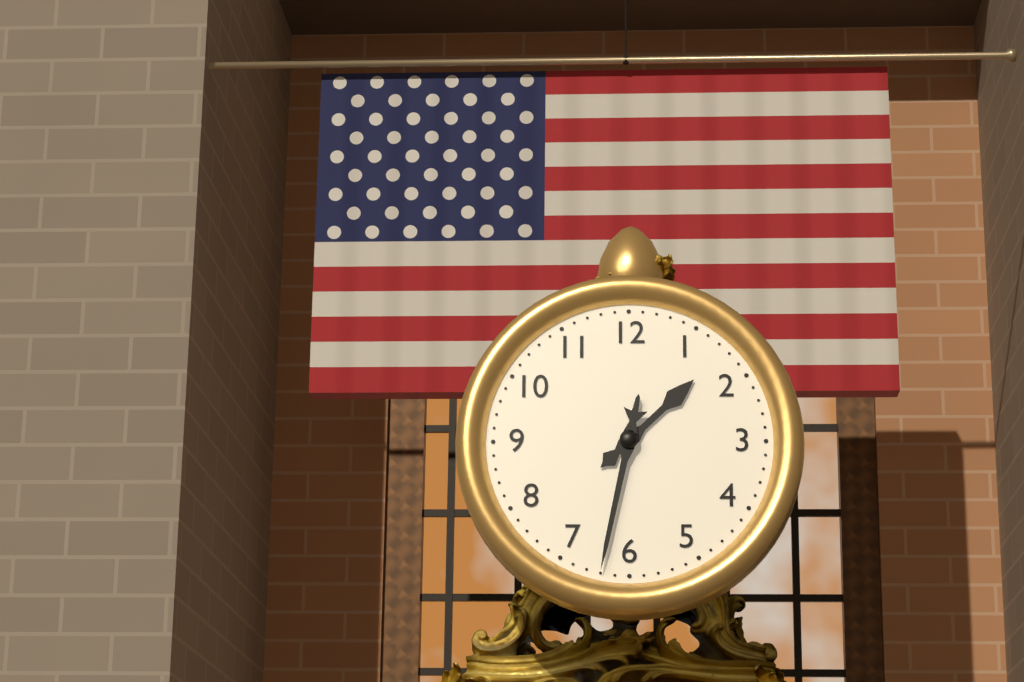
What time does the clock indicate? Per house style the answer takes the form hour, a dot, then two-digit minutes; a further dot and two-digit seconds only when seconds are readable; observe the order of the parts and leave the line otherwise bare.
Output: 1.32
